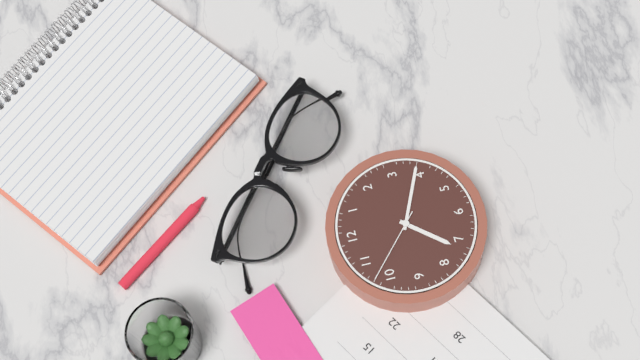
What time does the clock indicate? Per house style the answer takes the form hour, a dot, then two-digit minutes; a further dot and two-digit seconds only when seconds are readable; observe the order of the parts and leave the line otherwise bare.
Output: 7.19.52
